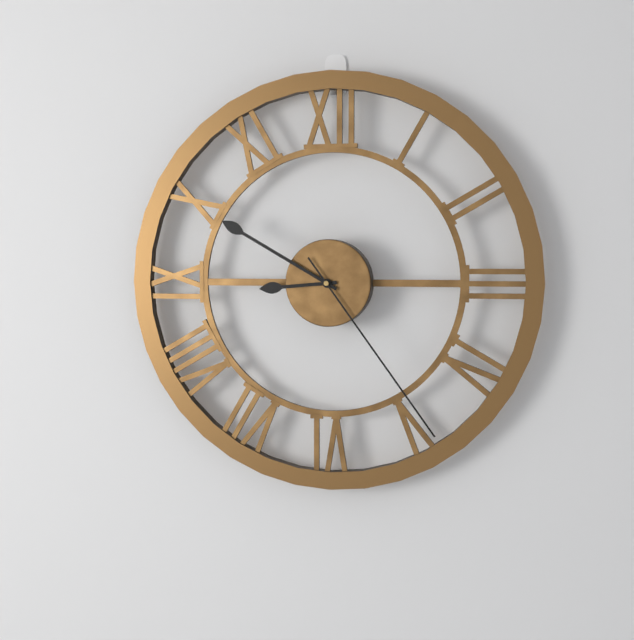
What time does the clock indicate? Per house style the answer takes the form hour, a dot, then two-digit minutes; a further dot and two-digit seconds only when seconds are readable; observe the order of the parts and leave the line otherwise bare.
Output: 8.50.24
